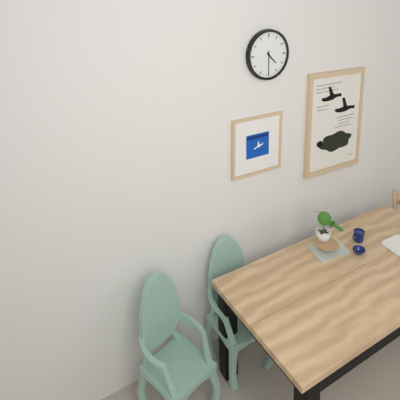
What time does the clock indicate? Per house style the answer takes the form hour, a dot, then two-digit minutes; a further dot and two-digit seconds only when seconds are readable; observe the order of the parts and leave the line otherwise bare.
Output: 4.30
